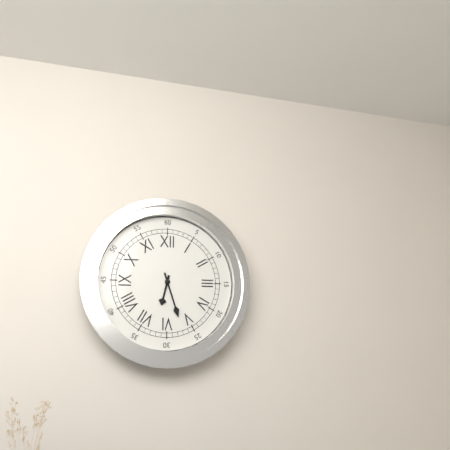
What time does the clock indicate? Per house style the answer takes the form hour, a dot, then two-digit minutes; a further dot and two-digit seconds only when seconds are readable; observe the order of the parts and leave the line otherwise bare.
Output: 6.27
